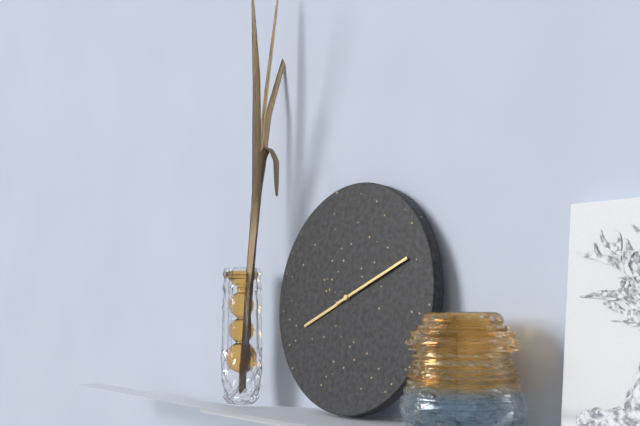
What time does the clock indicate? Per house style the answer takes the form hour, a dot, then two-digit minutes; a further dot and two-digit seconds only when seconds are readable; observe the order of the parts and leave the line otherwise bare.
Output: 8.11
